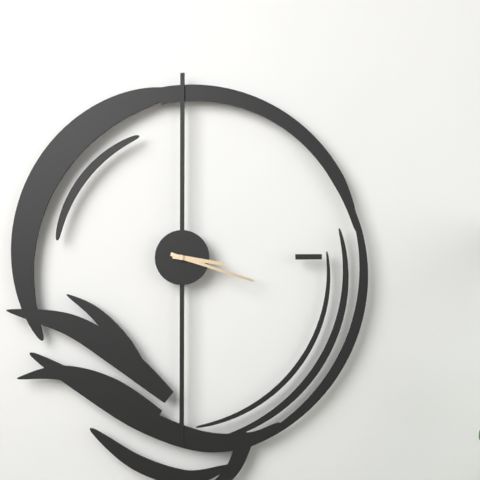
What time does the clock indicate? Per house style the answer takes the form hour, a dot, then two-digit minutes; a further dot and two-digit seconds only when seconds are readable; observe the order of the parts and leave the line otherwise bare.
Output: 3.18
